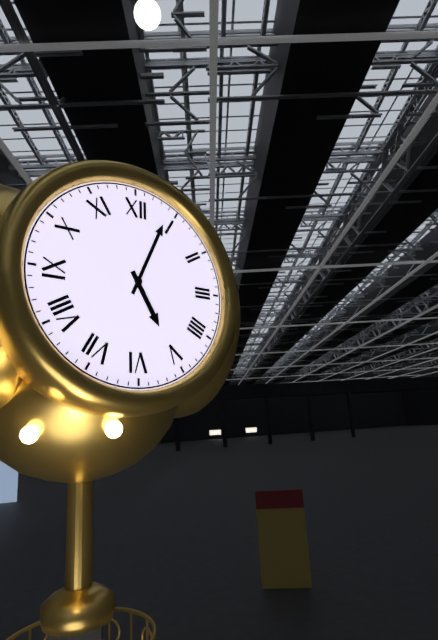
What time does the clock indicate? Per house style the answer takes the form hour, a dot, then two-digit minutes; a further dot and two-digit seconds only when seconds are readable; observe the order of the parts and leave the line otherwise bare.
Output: 5.04
